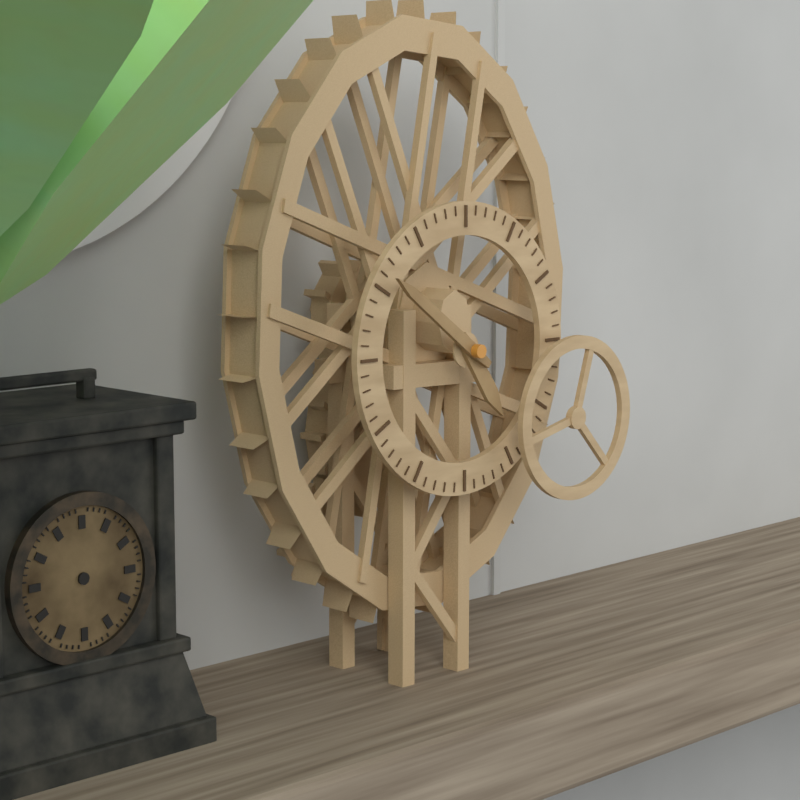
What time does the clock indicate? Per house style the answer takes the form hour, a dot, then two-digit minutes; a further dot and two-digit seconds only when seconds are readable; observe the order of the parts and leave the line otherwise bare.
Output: 4.51
